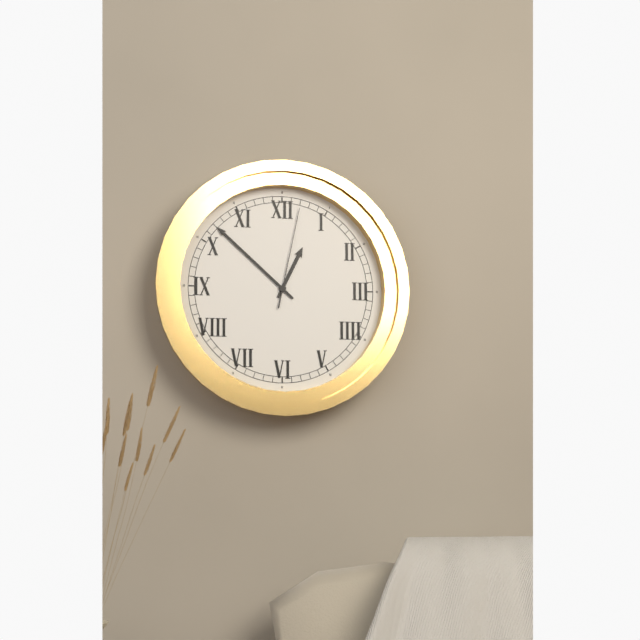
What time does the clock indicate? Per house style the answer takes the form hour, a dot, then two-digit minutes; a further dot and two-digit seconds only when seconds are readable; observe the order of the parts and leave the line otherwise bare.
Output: 12.52.02
